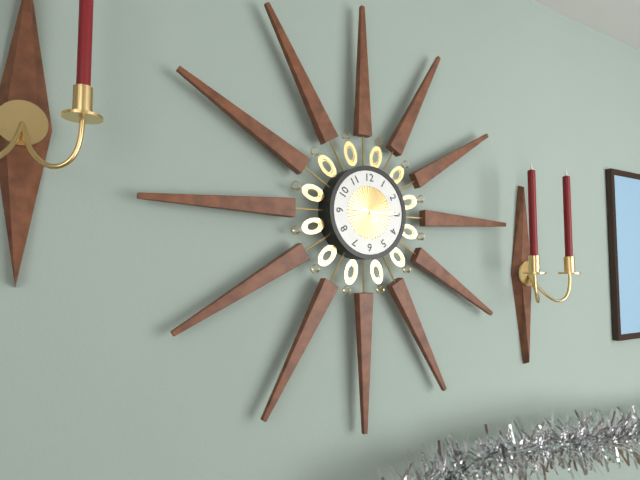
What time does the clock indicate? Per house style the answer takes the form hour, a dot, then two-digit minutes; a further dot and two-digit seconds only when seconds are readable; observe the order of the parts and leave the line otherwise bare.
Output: 9.15
